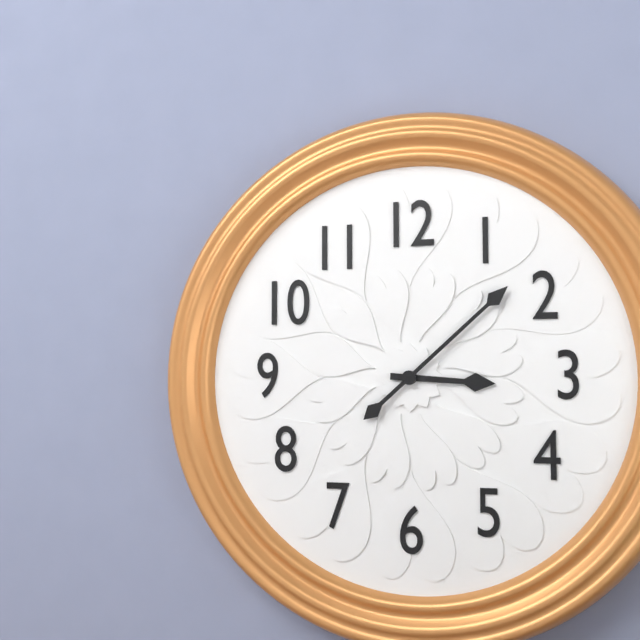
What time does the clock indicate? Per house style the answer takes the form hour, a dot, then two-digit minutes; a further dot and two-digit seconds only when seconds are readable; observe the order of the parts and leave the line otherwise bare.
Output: 3.08
